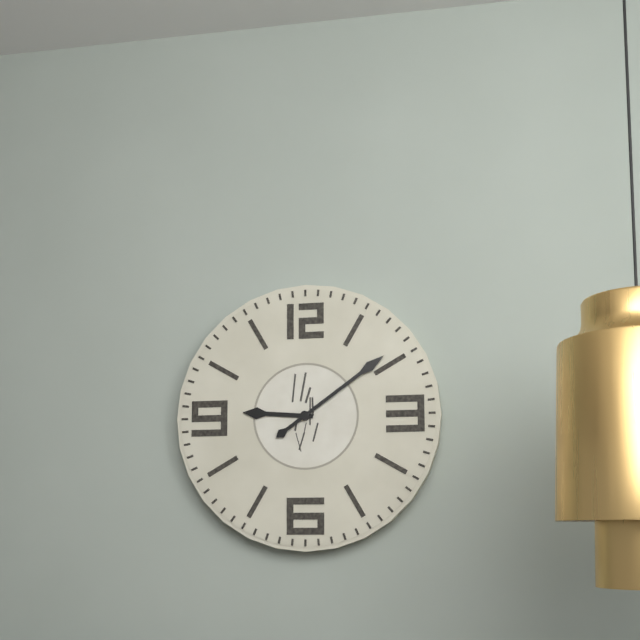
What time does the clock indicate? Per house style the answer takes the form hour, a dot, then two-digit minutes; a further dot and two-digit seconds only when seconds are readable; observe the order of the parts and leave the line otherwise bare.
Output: 9.09
